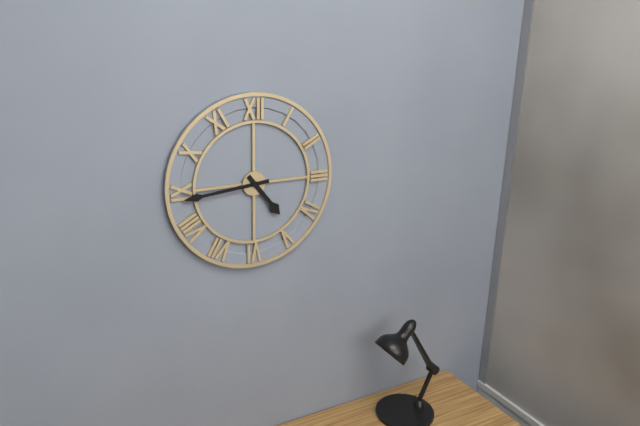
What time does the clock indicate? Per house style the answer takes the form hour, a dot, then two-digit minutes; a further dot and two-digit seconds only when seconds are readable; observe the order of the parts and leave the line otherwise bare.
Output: 4.44
